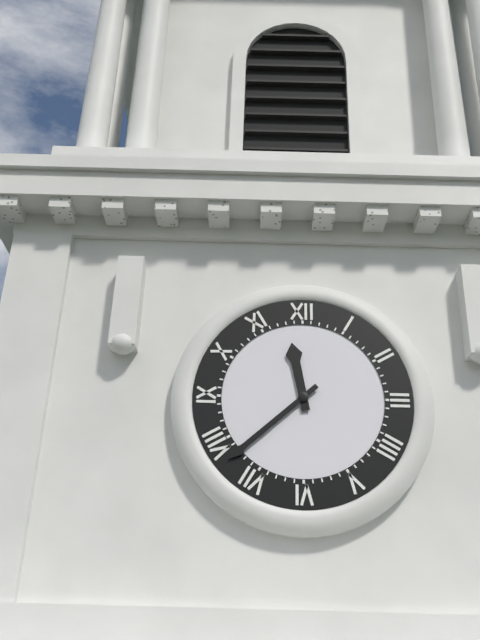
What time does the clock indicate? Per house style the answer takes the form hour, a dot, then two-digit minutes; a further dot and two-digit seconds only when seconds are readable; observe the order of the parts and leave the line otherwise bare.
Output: 11.38
